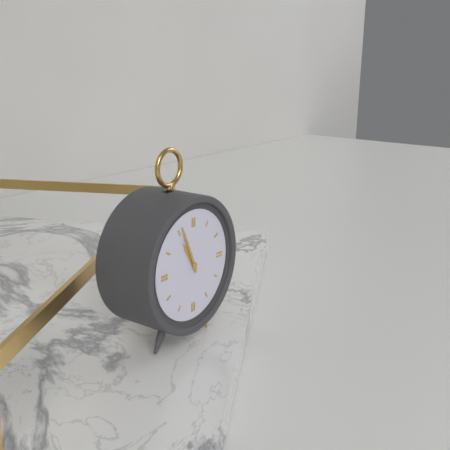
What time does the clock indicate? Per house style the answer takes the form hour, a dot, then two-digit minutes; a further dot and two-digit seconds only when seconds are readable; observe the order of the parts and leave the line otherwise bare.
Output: 10.56
